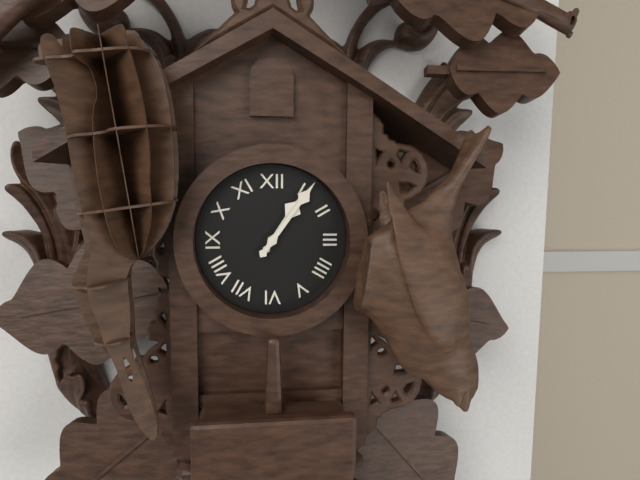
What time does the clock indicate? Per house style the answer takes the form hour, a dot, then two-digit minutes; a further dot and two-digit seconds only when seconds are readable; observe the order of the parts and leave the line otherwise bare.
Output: 1.06
